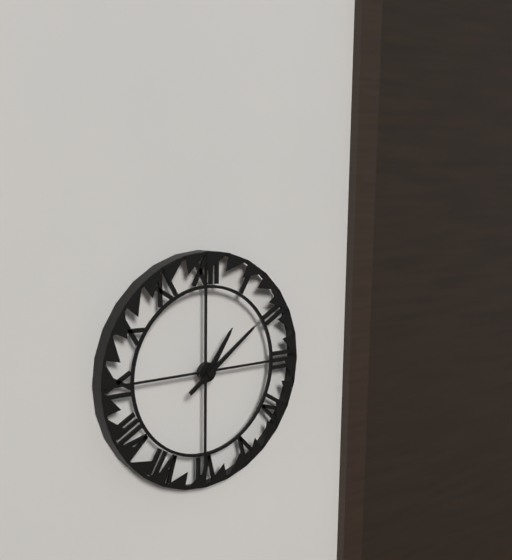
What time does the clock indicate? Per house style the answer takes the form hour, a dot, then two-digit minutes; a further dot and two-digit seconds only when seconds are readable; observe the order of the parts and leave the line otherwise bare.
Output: 1.09
